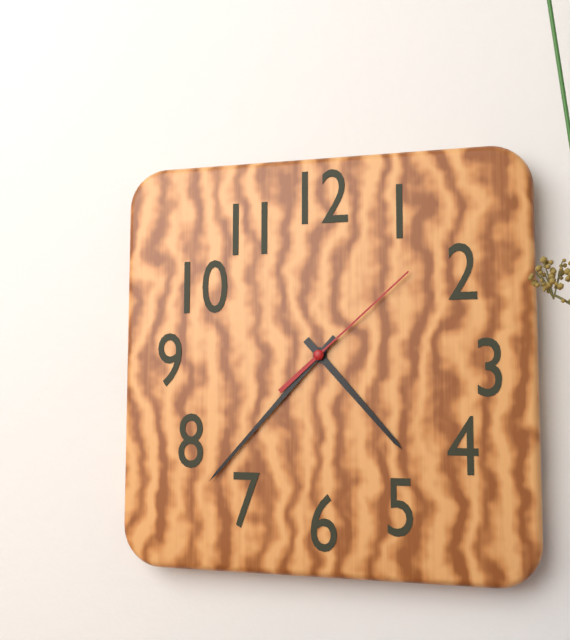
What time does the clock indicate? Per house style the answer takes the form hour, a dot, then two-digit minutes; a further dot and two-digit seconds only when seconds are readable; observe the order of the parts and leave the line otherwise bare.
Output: 4.37.08
